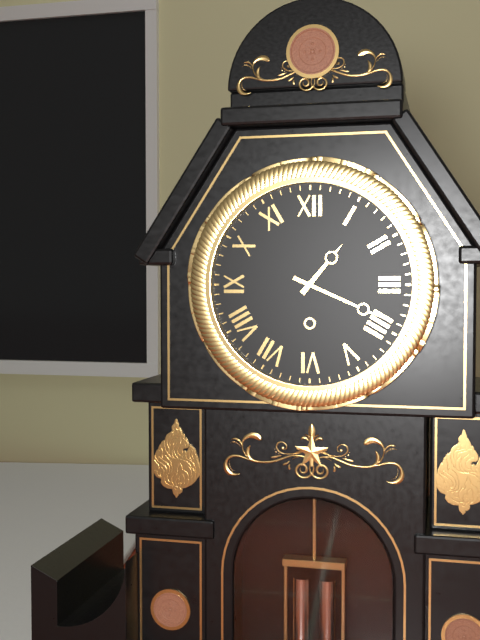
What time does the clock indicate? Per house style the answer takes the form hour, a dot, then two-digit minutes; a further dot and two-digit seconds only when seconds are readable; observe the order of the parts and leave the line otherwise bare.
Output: 1.19
